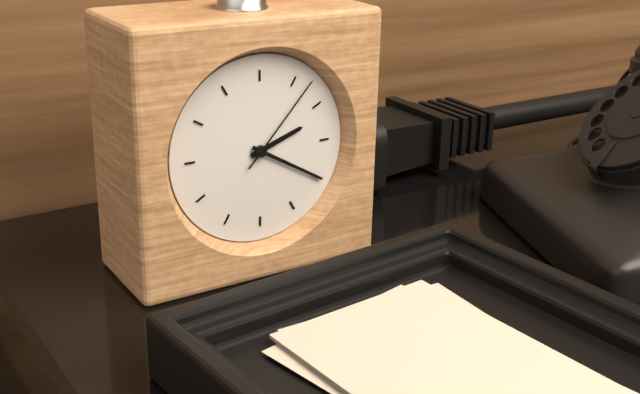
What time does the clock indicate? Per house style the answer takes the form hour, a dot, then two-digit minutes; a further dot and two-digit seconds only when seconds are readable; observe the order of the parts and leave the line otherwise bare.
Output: 2.20.07
